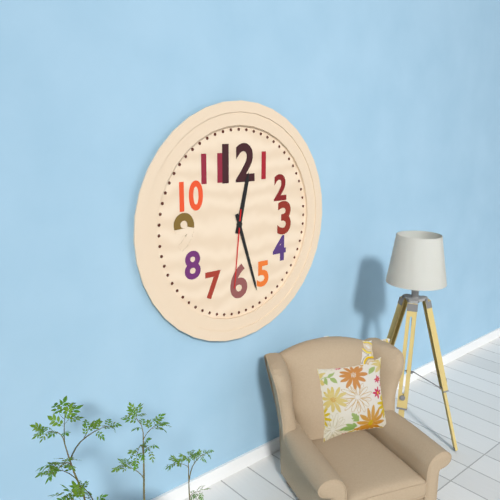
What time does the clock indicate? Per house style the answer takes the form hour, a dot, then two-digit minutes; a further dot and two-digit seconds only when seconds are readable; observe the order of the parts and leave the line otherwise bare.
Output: 12.27.31
